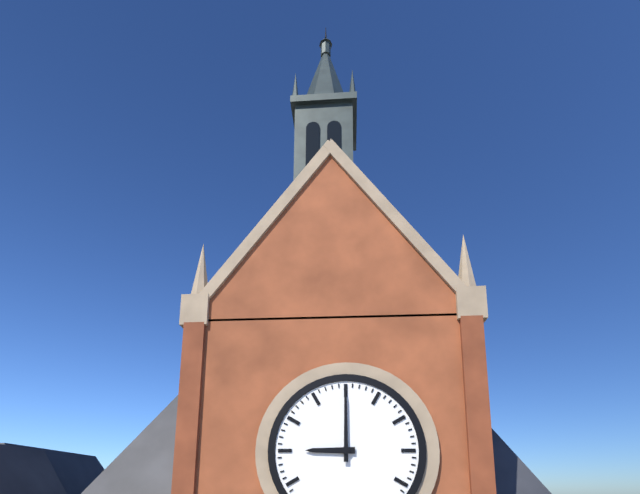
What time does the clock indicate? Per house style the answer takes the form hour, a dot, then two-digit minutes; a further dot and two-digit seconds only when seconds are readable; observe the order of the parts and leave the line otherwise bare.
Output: 9.00
